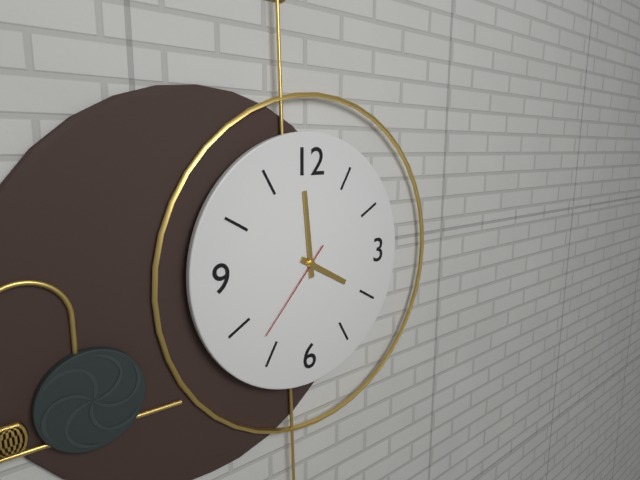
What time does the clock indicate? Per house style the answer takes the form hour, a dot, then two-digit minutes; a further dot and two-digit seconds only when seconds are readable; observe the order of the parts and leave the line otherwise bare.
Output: 3.59.37
